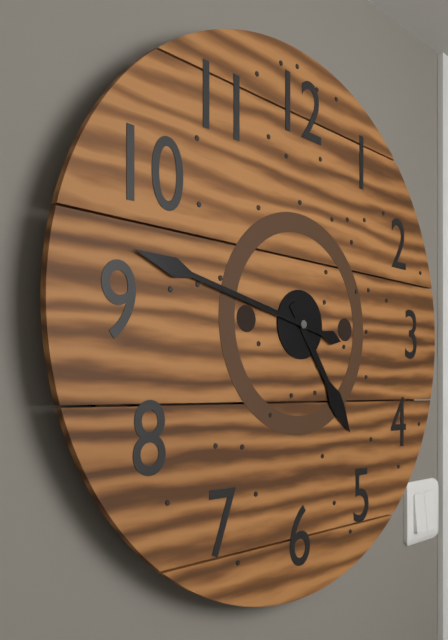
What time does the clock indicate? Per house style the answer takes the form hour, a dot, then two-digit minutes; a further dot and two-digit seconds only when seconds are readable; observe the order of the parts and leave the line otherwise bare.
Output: 4.47
